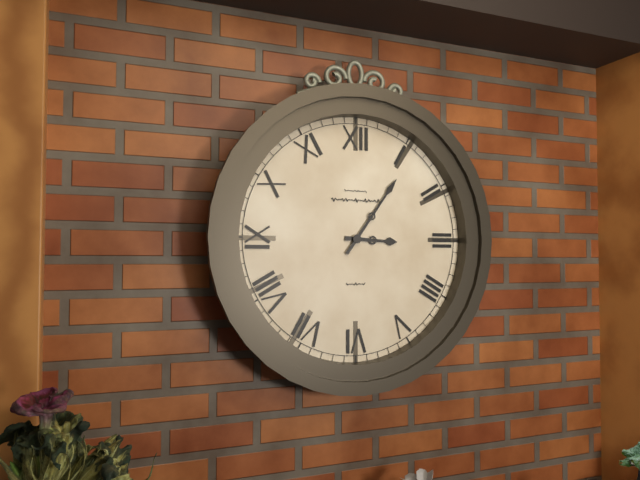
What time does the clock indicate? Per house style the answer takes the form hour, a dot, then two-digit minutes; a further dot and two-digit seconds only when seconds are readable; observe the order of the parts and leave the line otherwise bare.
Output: 3.06
